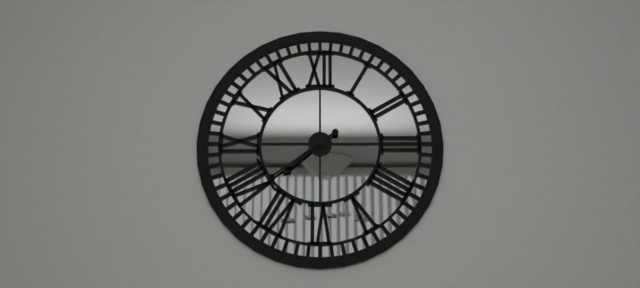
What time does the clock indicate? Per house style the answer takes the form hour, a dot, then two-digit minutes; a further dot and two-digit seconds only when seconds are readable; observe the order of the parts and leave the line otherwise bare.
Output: 7.39
